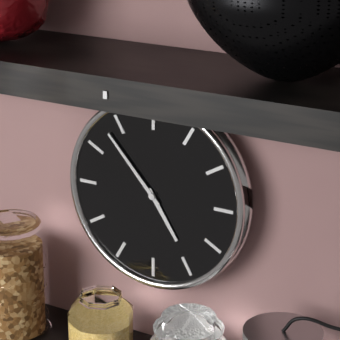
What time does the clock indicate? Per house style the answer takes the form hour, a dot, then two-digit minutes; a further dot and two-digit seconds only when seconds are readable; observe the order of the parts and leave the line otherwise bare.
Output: 4.53
